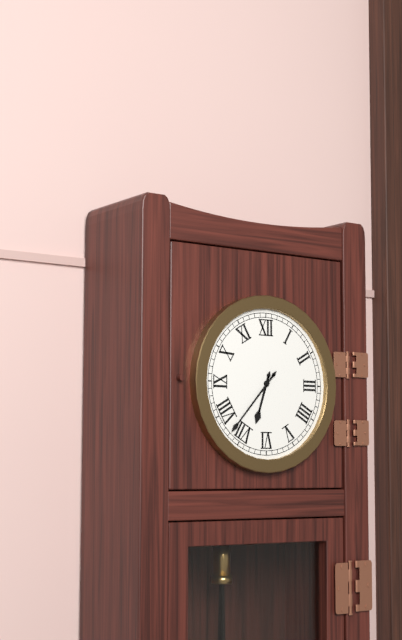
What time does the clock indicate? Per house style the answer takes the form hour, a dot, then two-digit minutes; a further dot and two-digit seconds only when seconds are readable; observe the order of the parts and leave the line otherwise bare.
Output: 6.37
